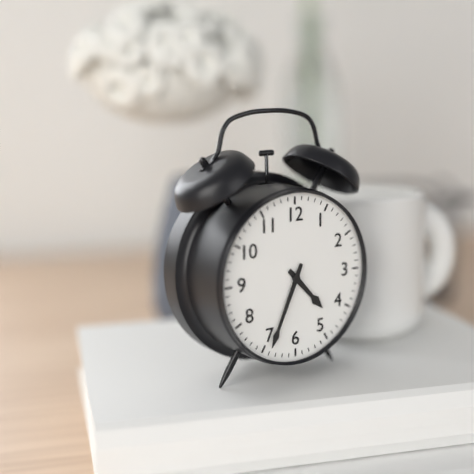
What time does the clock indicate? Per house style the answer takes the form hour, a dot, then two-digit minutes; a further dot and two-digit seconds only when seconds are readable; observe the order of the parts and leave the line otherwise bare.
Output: 4.34
